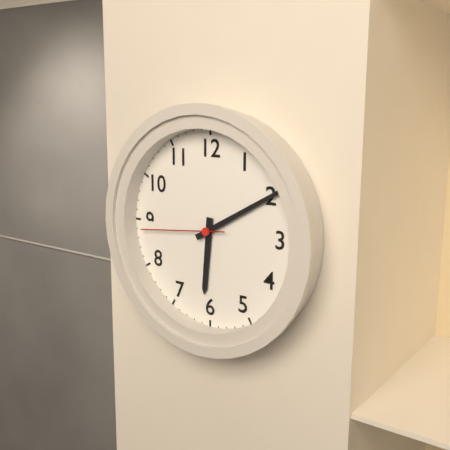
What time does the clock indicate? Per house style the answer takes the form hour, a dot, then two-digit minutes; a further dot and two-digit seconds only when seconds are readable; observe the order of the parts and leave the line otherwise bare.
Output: 6.10.44
